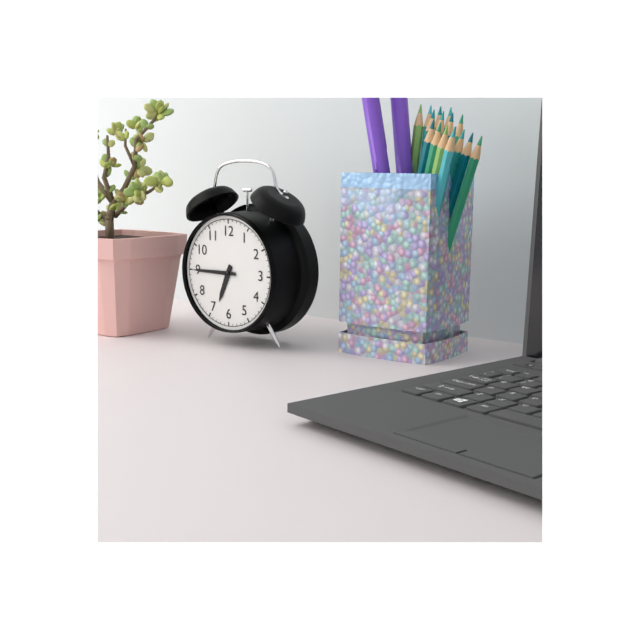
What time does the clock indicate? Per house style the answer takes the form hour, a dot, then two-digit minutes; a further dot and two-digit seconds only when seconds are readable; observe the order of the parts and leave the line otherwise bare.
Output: 6.45
